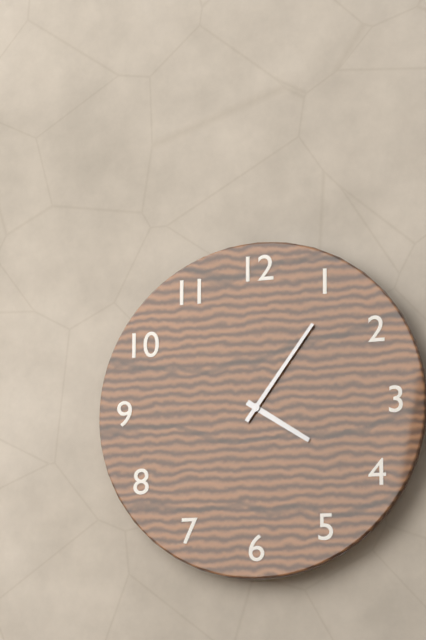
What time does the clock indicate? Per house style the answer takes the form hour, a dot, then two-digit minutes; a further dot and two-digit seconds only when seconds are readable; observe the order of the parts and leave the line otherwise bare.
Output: 4.06
